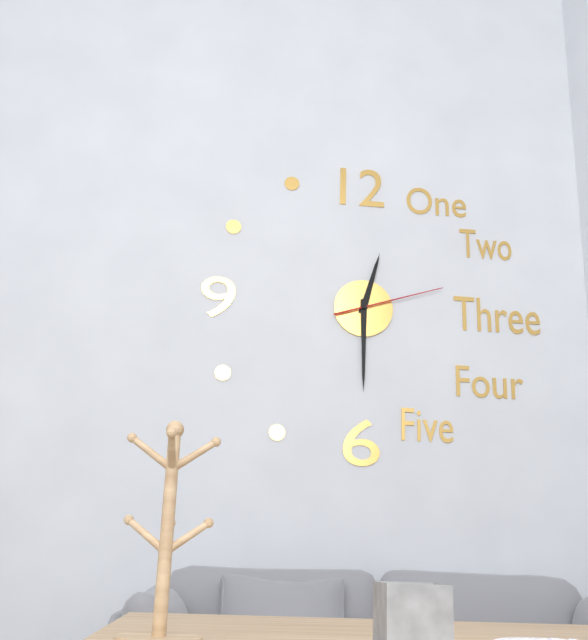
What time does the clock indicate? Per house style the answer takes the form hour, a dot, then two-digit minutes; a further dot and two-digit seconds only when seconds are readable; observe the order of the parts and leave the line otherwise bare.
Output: 12.30.12
